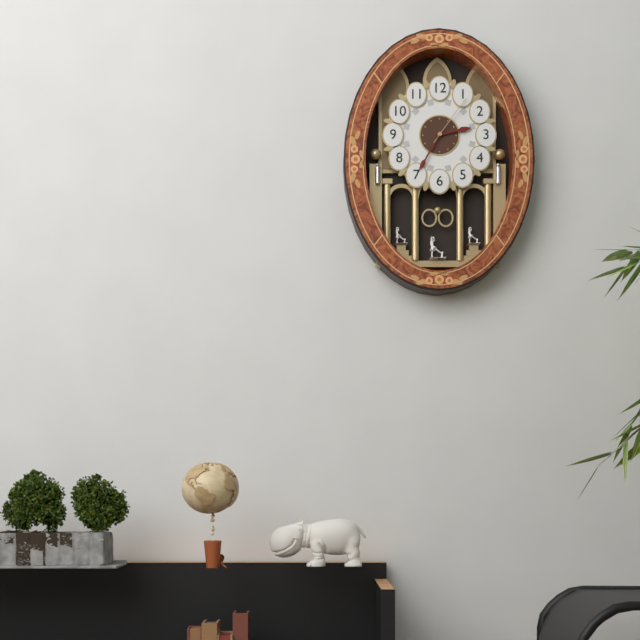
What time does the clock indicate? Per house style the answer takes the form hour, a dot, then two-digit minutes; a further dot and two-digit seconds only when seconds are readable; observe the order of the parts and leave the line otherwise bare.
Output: 2.35.06
